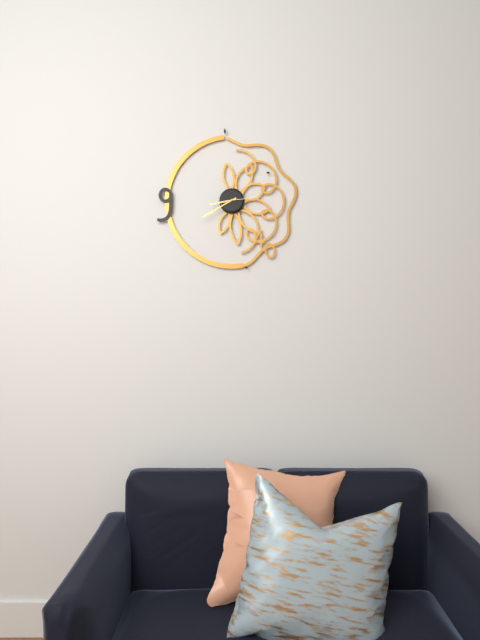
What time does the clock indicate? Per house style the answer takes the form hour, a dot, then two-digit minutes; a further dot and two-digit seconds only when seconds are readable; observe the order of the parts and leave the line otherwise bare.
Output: 8.40
